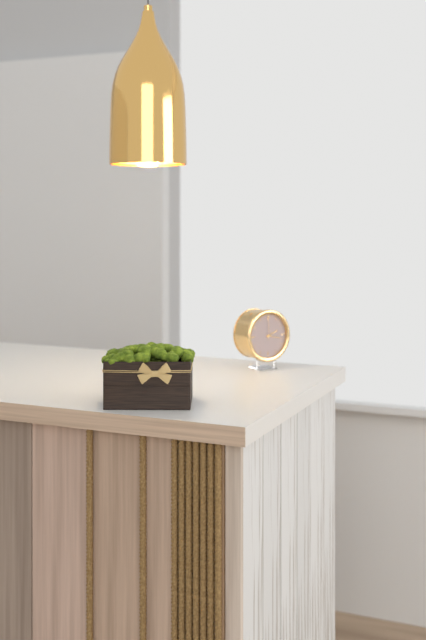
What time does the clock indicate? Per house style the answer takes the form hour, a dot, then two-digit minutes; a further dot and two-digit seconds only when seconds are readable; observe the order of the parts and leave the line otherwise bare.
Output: 2.17
